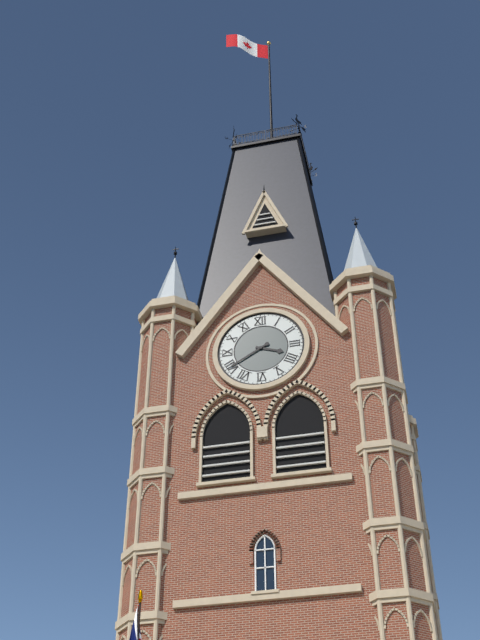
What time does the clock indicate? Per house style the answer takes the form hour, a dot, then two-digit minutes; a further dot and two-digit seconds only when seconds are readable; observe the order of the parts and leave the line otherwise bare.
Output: 3.40
